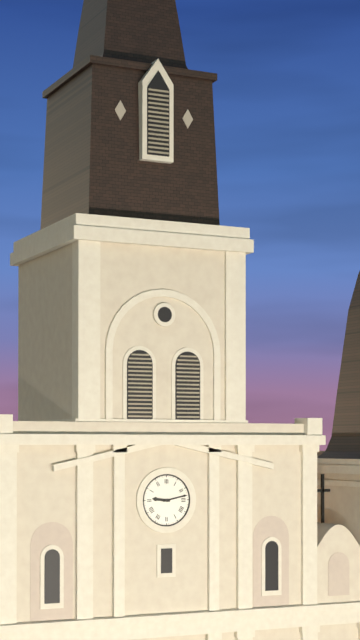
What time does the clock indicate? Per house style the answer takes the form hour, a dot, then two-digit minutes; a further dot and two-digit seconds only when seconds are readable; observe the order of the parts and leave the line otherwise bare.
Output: 9.13
